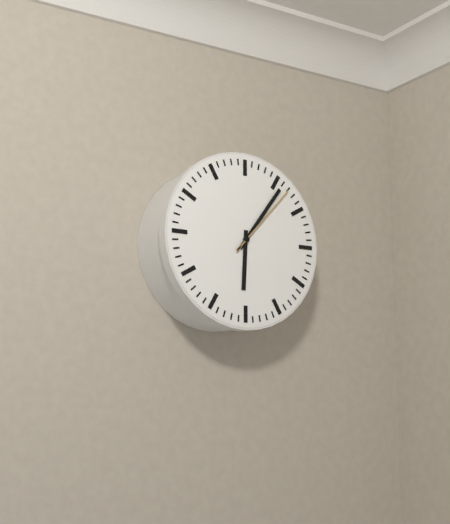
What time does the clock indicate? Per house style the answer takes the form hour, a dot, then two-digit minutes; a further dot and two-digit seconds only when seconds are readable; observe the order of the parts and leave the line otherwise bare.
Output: 6.06.07
